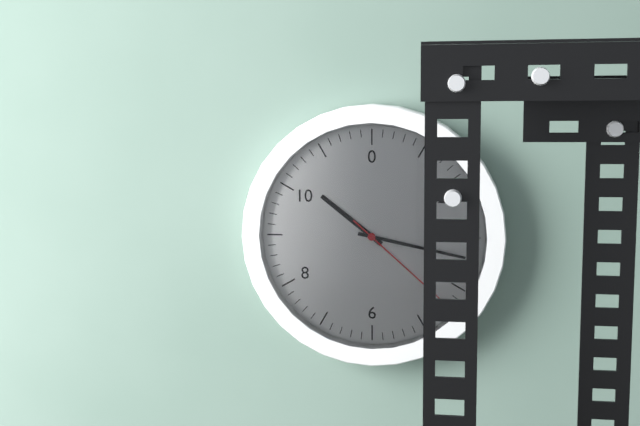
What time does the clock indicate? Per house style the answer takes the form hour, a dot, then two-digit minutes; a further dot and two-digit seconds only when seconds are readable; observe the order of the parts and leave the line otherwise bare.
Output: 10.17
